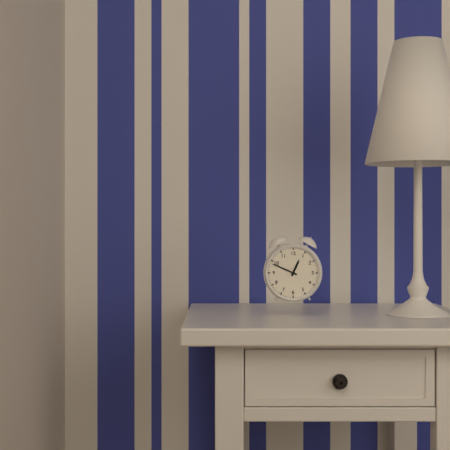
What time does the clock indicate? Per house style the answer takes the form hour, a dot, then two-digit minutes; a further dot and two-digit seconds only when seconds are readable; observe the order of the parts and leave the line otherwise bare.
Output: 12.49
